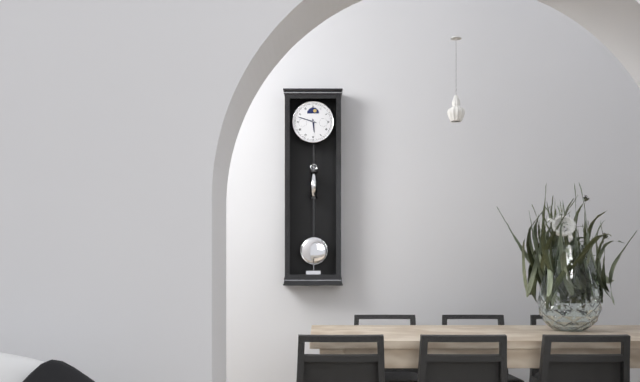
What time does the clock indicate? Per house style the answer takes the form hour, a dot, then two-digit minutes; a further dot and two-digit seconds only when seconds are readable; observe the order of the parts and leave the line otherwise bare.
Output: 5.48
